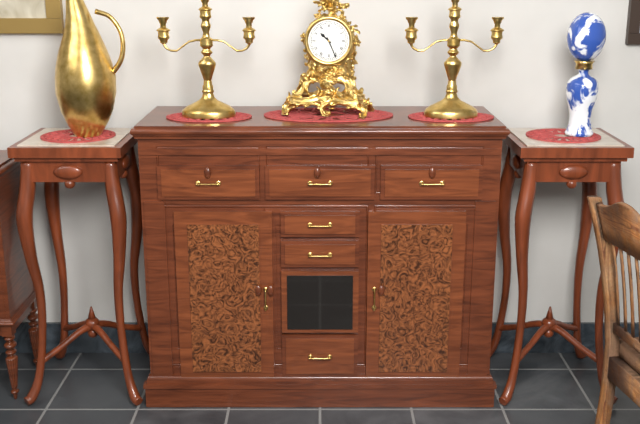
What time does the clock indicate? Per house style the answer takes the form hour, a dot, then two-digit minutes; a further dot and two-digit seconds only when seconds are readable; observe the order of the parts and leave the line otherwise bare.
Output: 10.26
